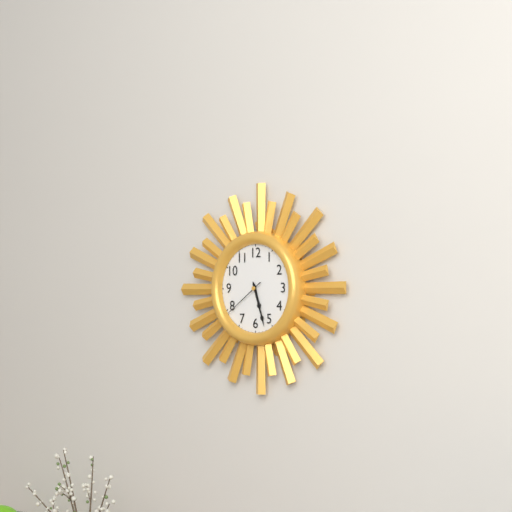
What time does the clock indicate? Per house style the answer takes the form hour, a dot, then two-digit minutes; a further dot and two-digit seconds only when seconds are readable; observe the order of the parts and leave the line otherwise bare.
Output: 5.27
